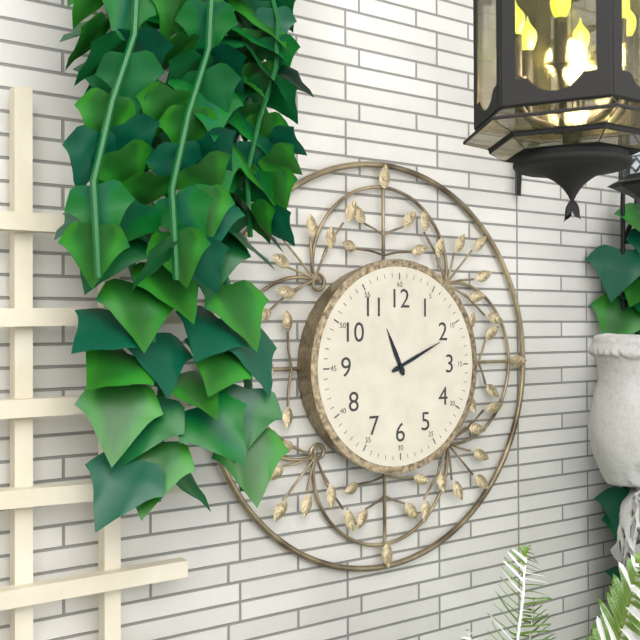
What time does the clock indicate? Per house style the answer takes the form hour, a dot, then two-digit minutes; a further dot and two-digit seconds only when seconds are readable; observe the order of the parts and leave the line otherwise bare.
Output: 11.11
